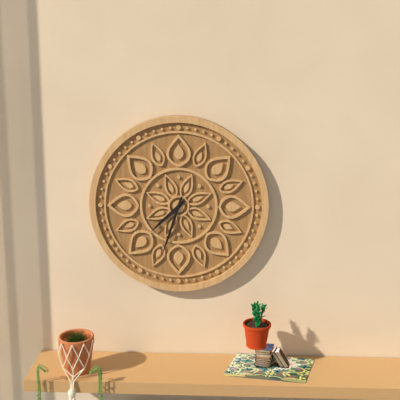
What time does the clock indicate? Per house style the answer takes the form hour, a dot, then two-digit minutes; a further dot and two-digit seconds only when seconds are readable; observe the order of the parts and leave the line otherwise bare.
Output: 7.33
